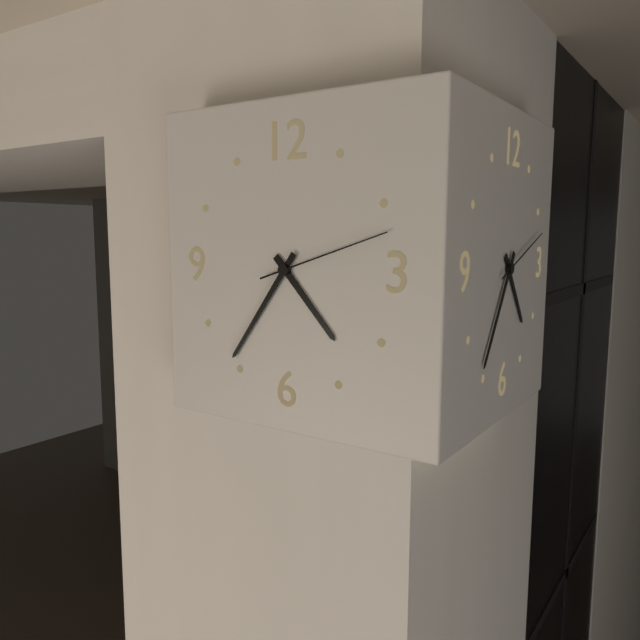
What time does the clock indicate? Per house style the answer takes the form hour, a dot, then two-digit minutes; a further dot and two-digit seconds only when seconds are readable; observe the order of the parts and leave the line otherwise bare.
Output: 4.36.12
